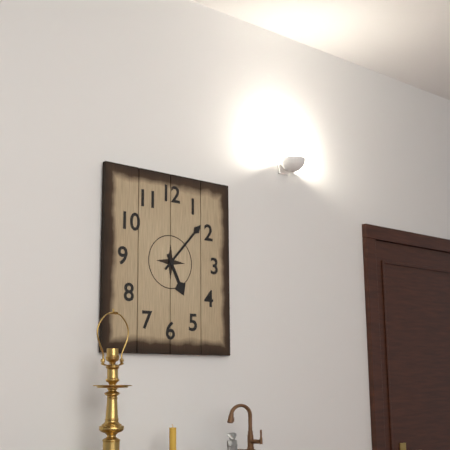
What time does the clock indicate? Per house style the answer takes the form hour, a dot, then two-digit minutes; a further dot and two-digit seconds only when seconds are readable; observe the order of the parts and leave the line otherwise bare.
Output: 5.07
